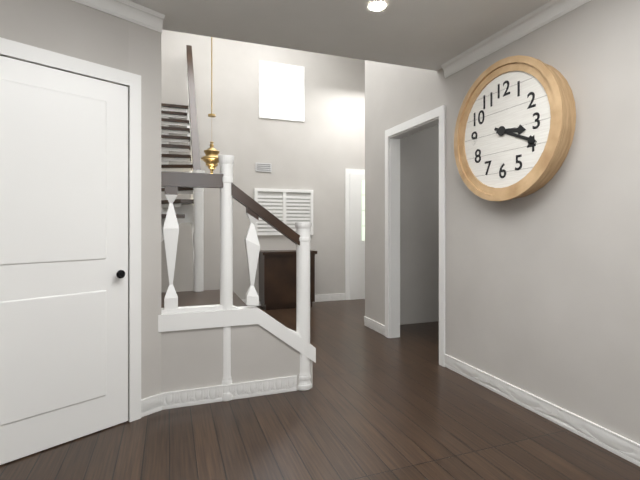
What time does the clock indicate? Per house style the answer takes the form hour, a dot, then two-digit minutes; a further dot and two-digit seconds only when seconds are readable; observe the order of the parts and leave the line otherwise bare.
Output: 3.19
